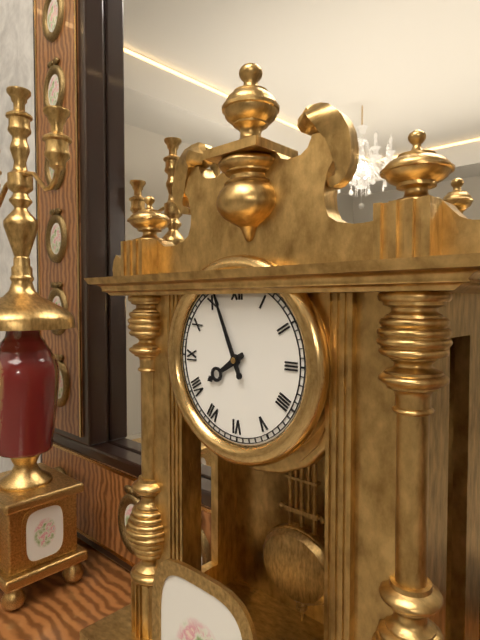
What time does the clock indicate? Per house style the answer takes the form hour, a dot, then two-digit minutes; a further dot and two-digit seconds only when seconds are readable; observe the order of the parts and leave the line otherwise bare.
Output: 7.56
